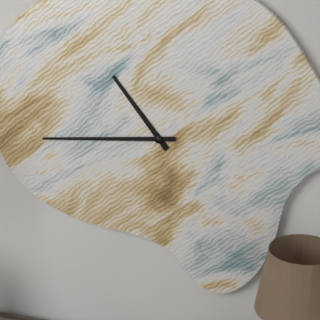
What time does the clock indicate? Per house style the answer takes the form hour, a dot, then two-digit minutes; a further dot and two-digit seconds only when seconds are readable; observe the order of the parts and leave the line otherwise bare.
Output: 10.44
